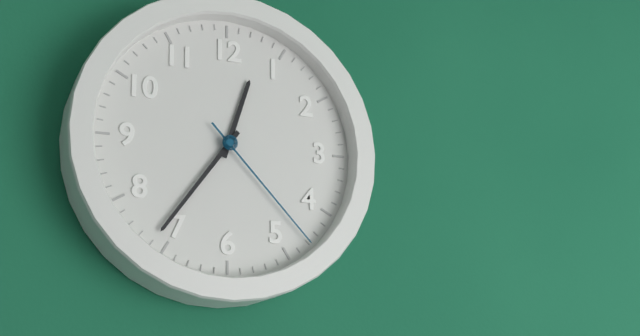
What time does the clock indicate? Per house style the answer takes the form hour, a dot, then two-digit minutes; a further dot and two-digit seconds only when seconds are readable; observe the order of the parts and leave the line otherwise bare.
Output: 12.36.23
